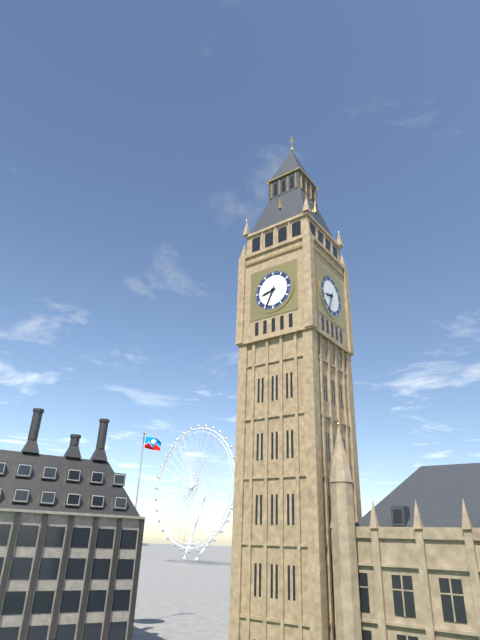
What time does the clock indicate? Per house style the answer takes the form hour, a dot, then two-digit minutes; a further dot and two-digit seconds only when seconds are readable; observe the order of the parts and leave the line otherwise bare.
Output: 8.34
